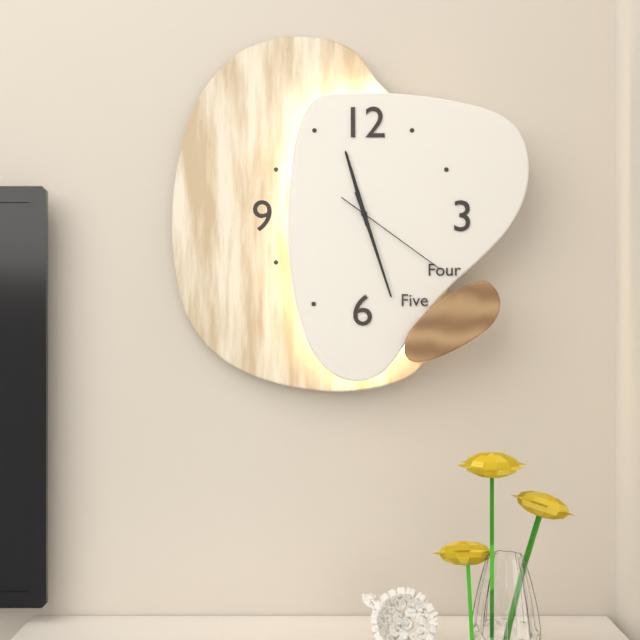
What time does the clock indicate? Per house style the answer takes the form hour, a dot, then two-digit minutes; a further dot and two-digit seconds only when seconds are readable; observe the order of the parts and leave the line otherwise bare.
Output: 11.27.21
